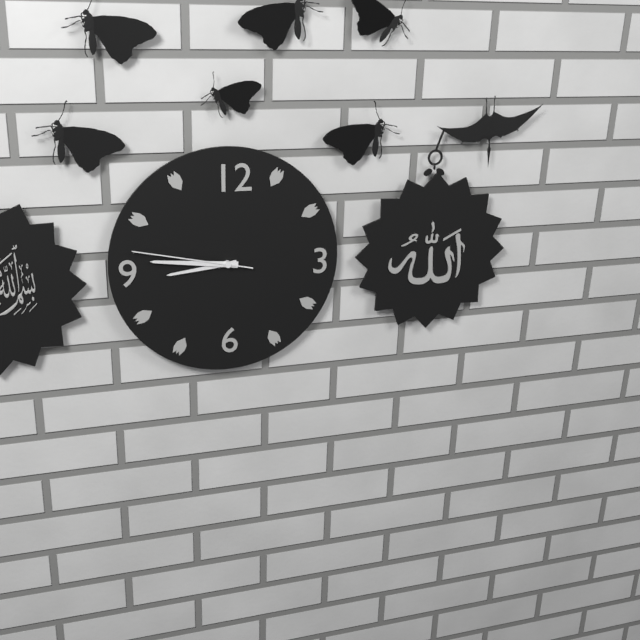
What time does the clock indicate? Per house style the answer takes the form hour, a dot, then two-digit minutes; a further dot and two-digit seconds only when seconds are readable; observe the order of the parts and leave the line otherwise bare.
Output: 8.46.47
